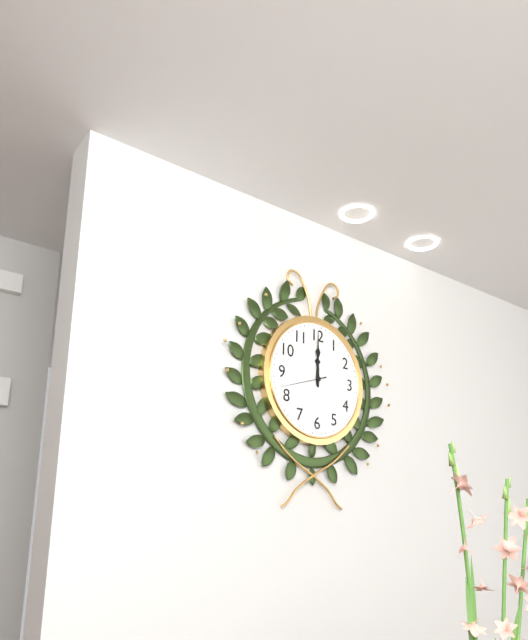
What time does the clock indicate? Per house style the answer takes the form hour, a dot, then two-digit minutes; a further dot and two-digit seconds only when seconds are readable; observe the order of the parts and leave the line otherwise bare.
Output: 12.00
